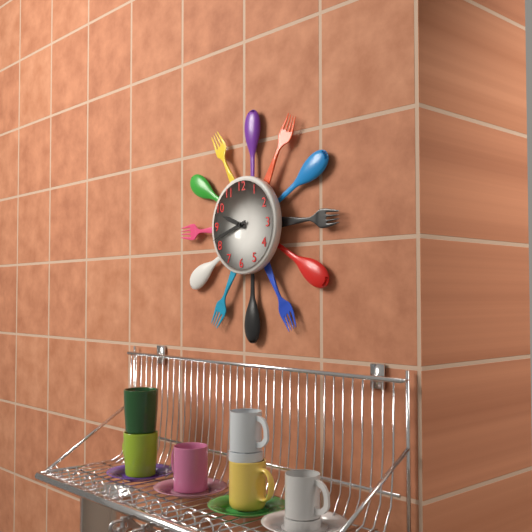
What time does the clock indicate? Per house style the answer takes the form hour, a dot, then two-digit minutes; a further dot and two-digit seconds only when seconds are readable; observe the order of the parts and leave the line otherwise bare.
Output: 9.42
